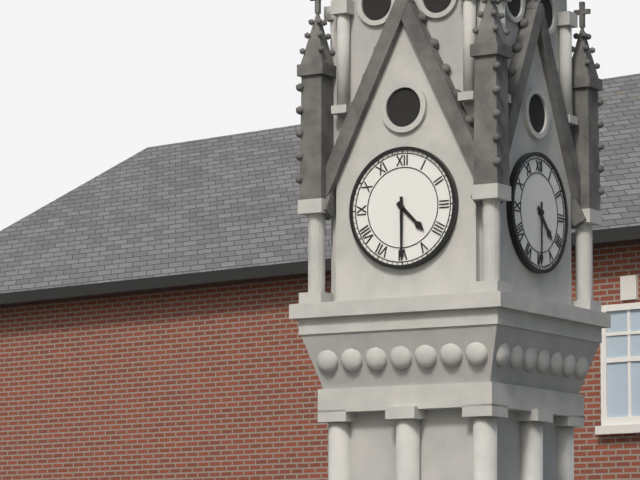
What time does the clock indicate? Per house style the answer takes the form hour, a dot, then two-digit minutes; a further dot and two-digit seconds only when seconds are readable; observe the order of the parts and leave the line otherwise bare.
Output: 4.30
